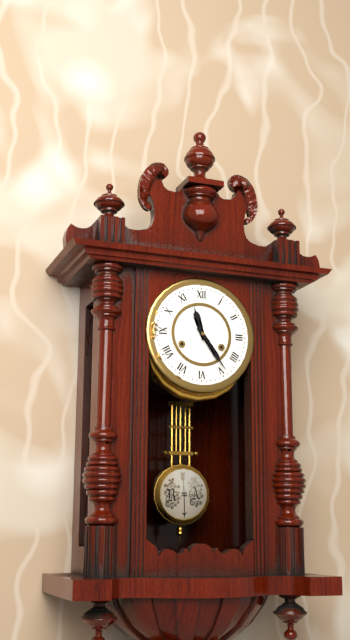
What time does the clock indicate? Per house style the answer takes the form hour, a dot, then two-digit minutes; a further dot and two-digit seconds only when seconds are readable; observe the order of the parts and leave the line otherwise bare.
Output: 11.24
